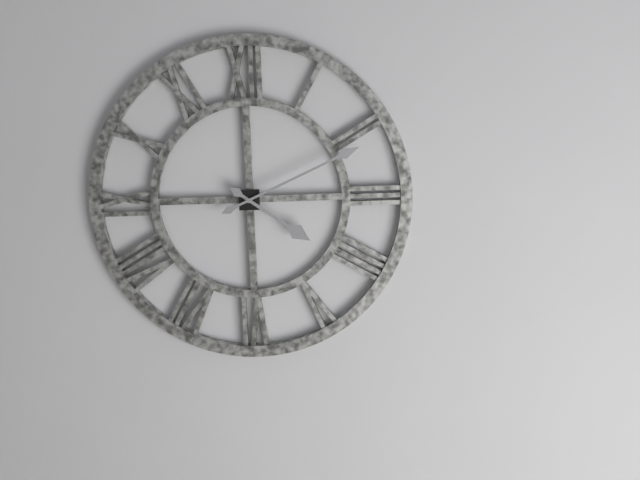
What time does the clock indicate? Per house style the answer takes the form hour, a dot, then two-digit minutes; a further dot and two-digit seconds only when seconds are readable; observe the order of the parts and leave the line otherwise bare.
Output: 4.11
